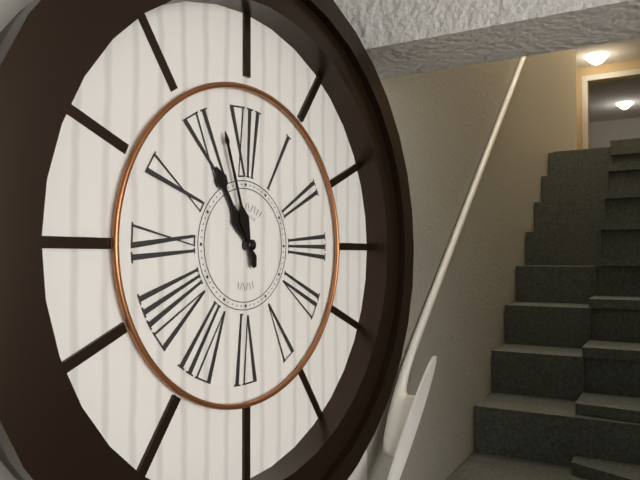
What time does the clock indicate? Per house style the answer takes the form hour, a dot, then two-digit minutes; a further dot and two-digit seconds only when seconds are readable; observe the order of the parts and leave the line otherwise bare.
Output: 10.57
